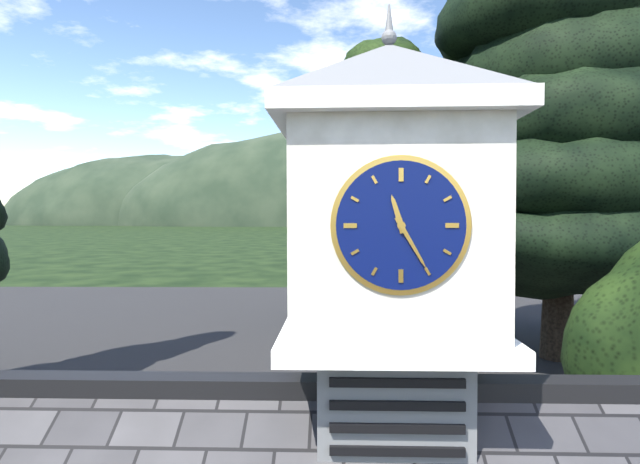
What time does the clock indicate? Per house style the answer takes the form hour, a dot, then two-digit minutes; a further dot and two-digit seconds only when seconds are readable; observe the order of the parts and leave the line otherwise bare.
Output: 11.25
